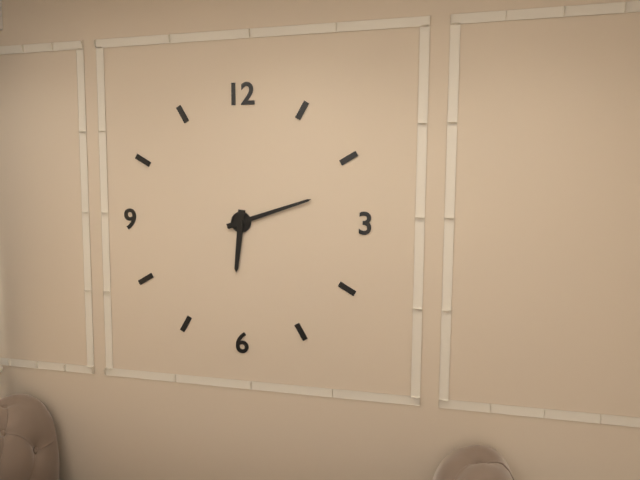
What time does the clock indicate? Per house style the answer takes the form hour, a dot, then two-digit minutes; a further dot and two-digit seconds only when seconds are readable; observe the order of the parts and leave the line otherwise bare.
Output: 6.12
